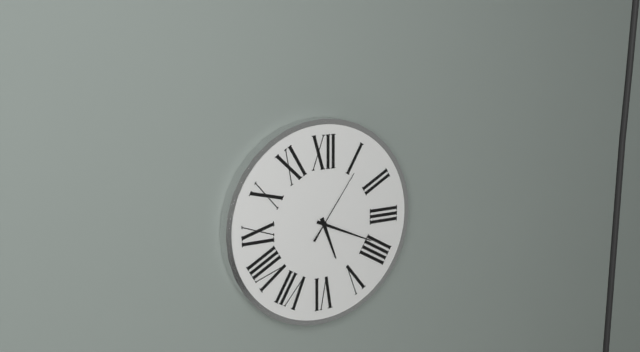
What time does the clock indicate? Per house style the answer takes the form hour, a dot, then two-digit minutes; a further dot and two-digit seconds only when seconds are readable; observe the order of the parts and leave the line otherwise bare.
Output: 5.19.06
